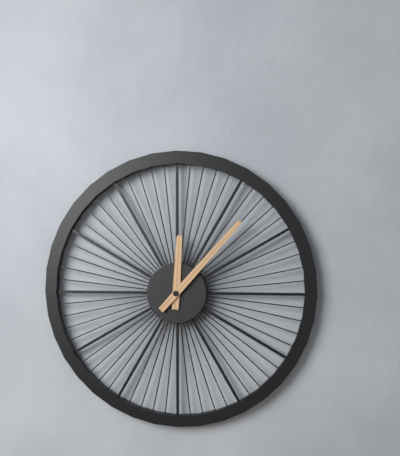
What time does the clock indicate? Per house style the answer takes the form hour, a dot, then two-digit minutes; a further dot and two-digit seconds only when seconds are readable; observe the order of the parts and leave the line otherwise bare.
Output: 12.07
